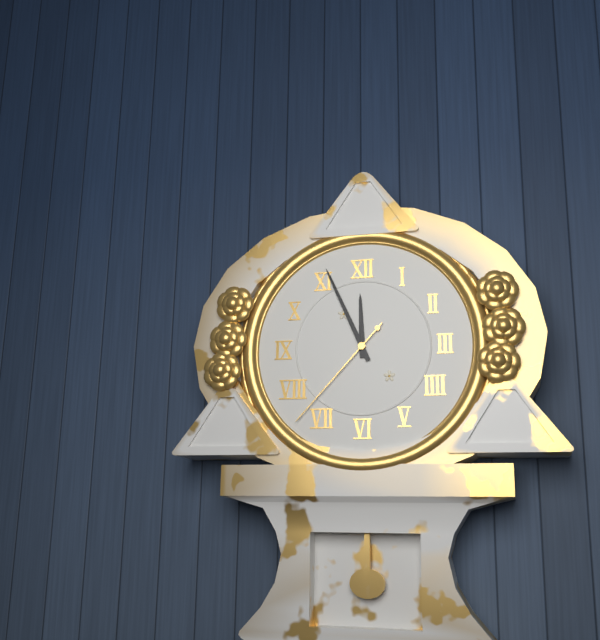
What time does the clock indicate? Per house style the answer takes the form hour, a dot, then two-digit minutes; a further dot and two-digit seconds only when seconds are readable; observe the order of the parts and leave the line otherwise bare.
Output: 11.56.37
